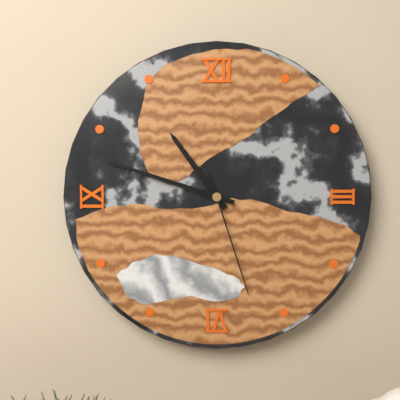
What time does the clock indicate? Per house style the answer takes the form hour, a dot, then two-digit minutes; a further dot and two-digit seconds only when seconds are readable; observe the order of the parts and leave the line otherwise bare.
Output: 10.48.27
